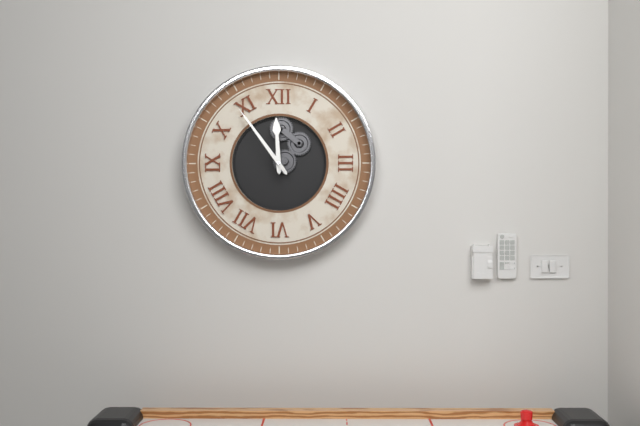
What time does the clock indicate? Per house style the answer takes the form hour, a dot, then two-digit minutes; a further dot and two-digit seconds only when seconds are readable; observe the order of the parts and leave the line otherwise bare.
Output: 11.54
